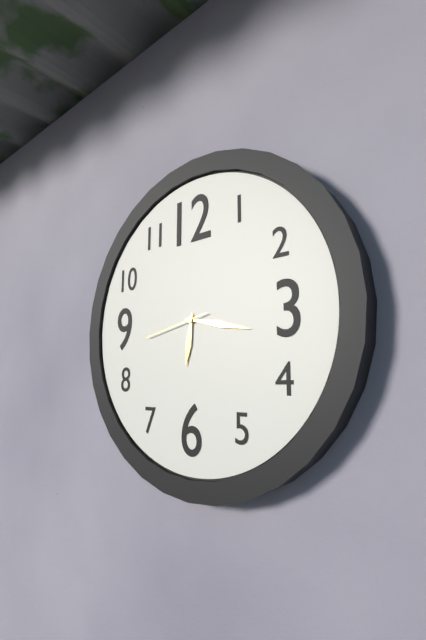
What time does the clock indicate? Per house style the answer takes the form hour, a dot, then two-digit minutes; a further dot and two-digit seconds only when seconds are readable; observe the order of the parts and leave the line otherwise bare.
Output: 6.17.43
